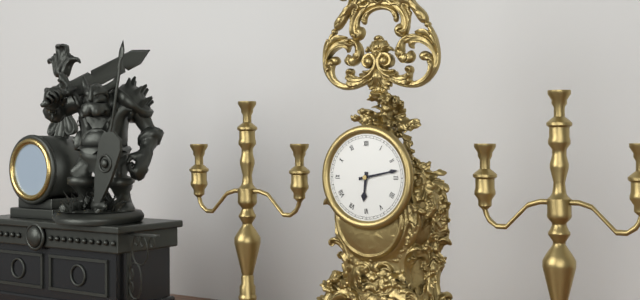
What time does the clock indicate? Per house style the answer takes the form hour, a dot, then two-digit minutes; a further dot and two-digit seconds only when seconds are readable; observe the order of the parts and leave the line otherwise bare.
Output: 6.13
